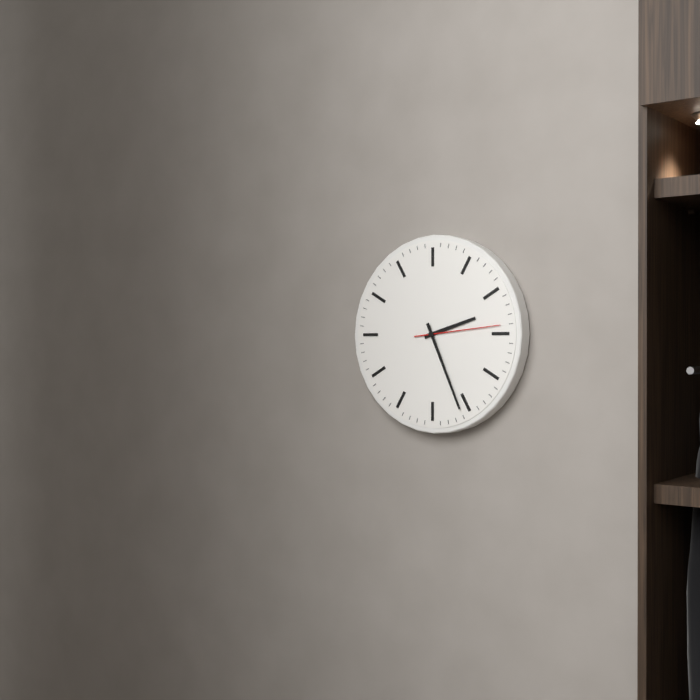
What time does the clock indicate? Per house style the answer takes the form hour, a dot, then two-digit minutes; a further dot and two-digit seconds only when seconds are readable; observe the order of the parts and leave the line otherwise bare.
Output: 2.26.14
